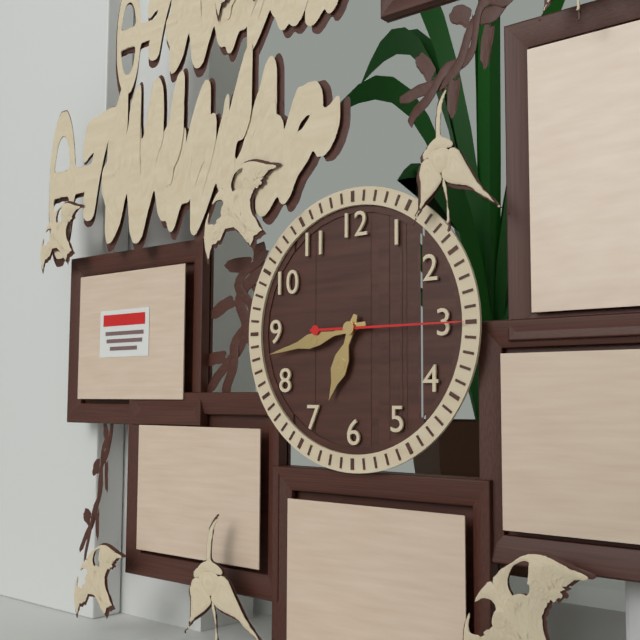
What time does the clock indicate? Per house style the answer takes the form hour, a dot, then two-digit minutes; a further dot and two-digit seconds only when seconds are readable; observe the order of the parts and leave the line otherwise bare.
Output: 6.43.15
